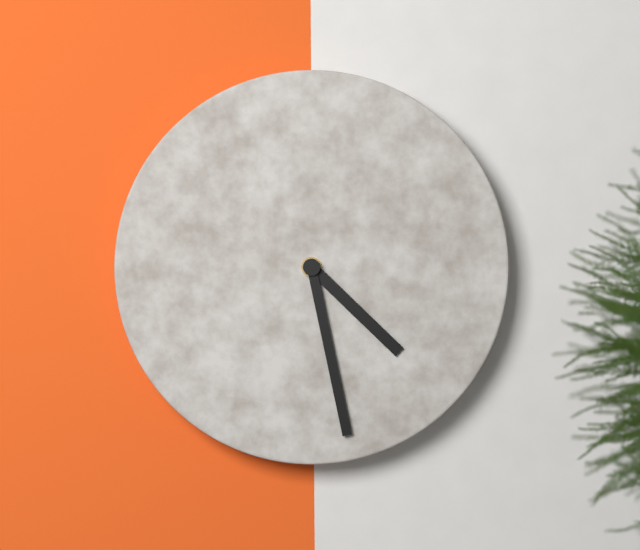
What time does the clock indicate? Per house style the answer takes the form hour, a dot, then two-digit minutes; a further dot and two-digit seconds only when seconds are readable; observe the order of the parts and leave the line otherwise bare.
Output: 4.28
